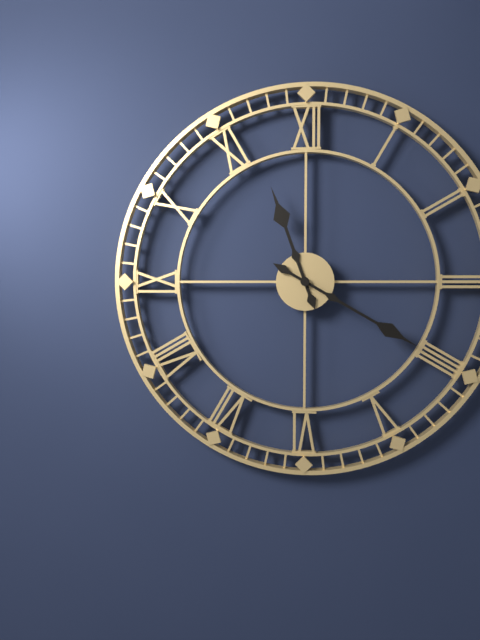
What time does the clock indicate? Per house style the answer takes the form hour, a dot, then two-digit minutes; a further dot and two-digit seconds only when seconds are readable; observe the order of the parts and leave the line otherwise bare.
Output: 11.20
